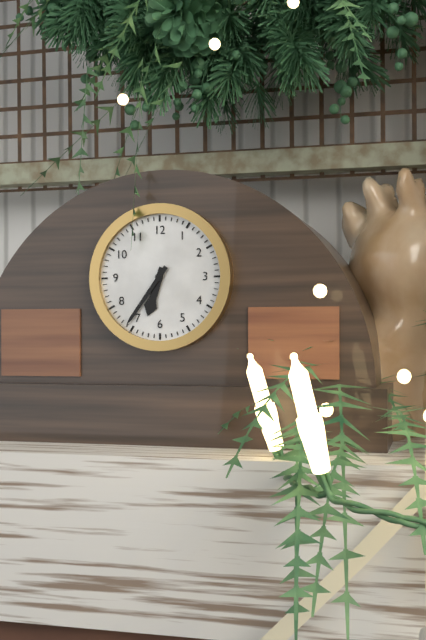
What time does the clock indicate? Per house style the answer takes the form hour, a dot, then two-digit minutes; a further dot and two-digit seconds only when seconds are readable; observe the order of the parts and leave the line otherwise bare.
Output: 6.36
